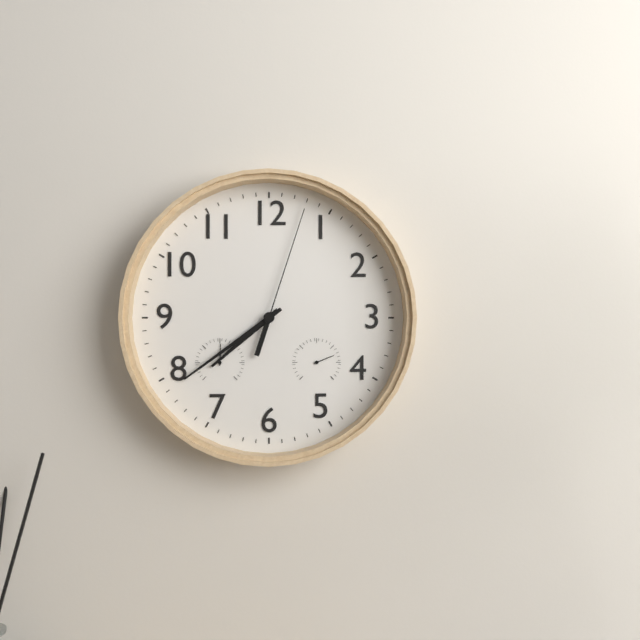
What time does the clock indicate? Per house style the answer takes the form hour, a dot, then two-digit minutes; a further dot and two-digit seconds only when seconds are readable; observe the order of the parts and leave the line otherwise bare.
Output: 7.39.03
